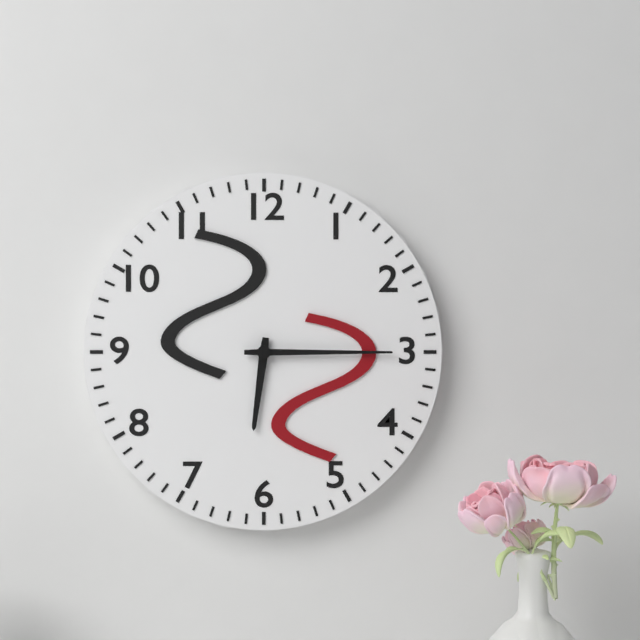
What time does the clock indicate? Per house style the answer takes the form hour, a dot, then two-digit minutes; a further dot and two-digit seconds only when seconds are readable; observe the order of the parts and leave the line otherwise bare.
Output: 6.15
